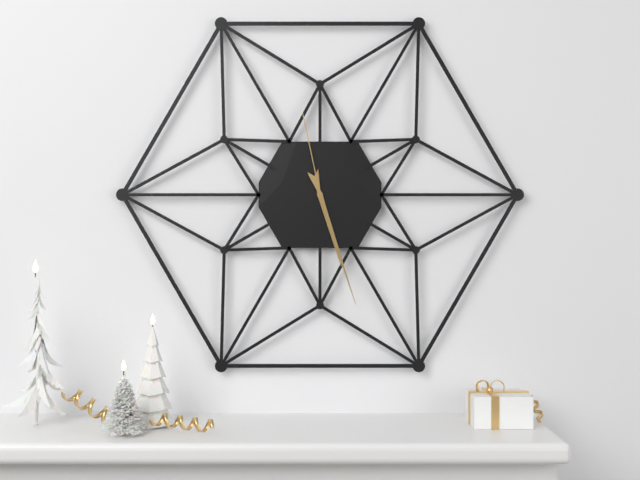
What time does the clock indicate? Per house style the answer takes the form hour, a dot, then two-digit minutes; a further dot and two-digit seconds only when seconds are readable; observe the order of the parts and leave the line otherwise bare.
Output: 5.27.58
